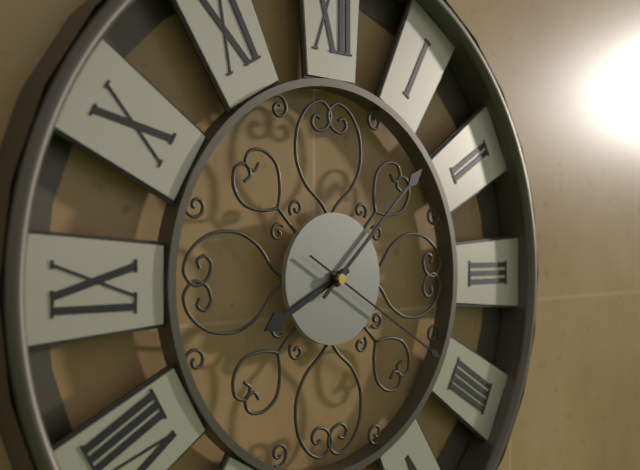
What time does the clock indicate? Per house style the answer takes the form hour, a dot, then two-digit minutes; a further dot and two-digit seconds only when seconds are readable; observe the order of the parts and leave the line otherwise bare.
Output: 8.08.20
